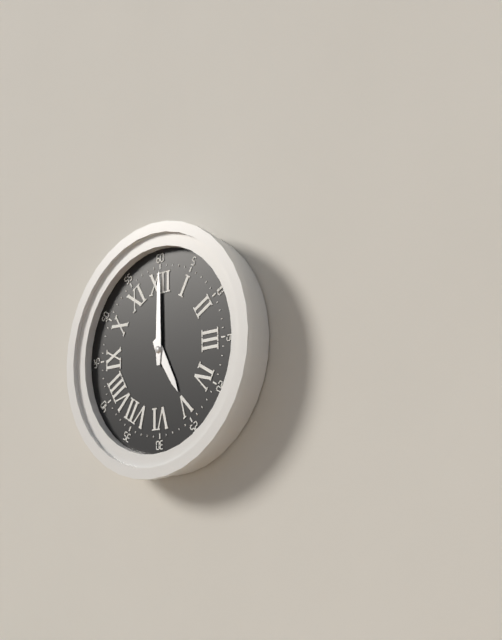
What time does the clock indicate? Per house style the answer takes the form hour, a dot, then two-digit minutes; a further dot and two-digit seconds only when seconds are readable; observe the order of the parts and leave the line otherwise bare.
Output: 5.00
